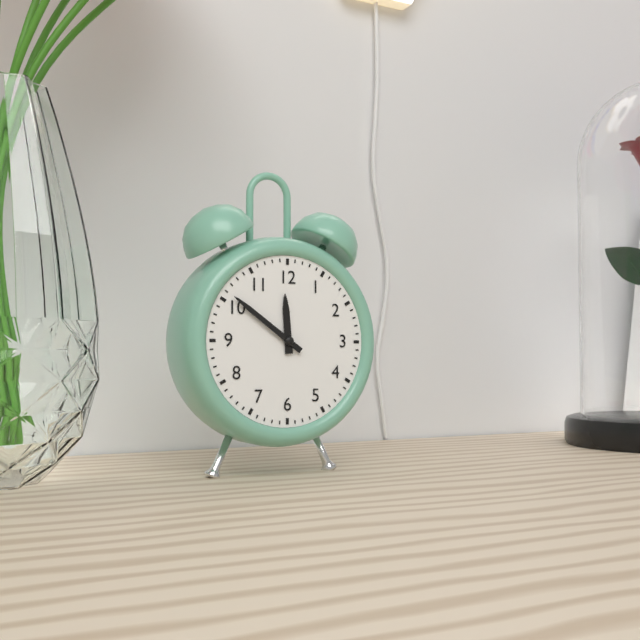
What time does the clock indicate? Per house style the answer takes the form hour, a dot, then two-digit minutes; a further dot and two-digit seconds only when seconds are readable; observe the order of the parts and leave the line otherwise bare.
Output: 11.51
